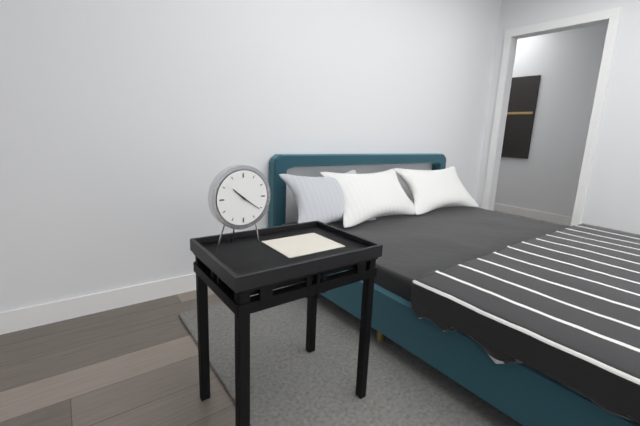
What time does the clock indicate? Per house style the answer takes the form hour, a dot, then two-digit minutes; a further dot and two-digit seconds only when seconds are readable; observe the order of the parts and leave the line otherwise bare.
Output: 10.21
